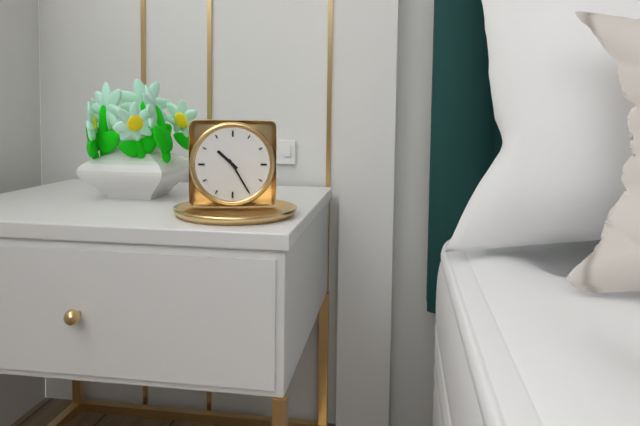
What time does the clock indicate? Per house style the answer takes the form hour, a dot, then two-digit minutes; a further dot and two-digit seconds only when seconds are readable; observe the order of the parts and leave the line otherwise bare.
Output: 10.25
